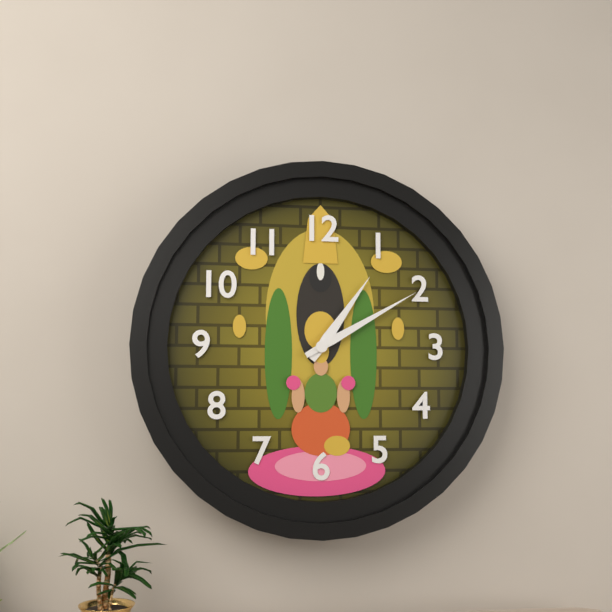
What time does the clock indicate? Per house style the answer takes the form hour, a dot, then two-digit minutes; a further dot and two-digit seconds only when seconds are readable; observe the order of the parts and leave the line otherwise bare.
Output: 1.10
